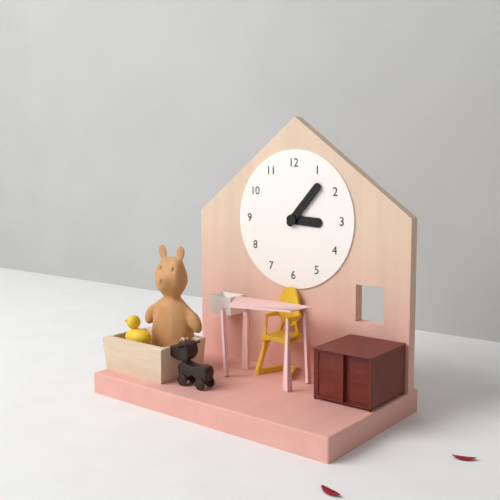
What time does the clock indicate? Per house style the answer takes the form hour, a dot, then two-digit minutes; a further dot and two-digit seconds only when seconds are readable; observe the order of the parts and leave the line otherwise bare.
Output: 3.07
